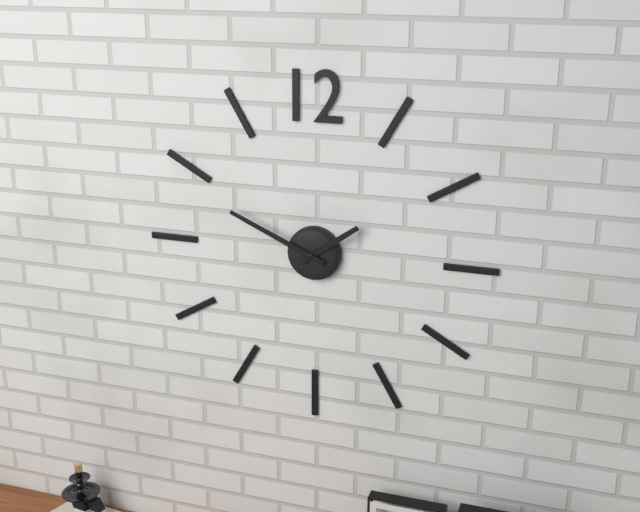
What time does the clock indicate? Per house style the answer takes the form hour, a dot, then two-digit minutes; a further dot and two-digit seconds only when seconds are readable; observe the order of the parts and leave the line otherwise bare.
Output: 1.49
